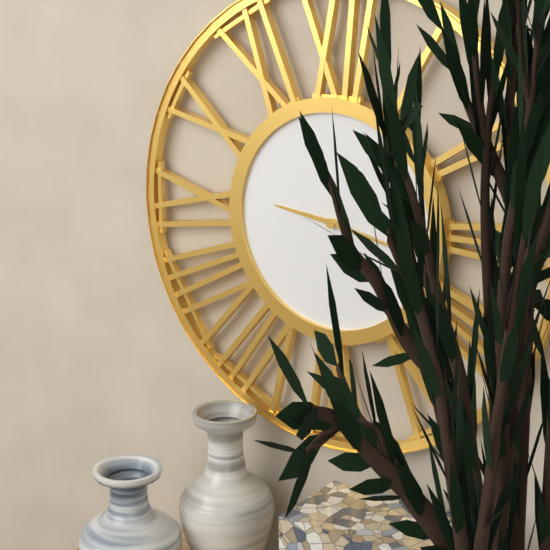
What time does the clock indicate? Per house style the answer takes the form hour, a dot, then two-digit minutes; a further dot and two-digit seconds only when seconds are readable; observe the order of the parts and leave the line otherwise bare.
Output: 9.17
